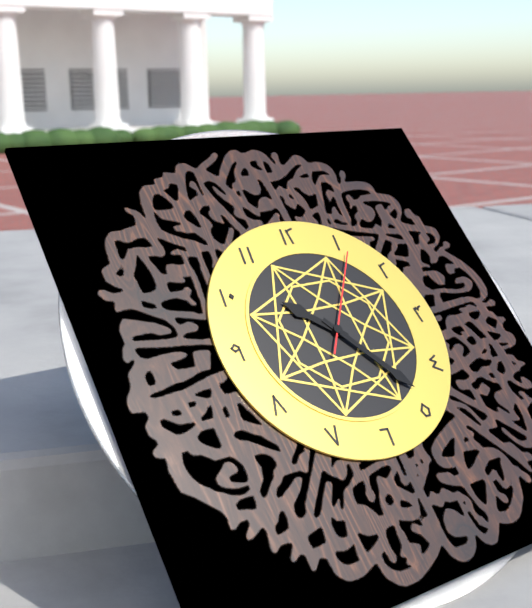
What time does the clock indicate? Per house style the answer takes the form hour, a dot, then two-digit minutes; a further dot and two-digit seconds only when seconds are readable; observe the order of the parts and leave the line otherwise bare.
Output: 10.24.06
